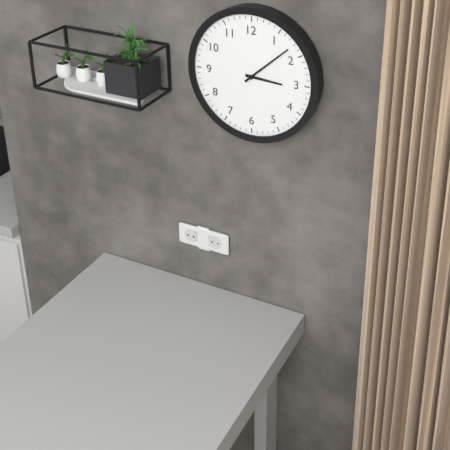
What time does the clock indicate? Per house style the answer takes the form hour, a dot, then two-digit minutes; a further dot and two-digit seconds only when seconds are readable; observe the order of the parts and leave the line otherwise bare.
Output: 3.08
